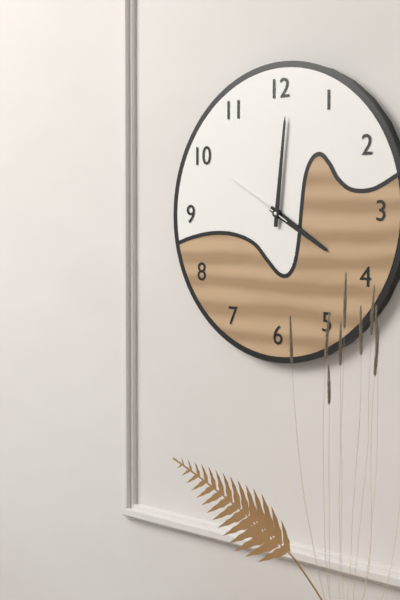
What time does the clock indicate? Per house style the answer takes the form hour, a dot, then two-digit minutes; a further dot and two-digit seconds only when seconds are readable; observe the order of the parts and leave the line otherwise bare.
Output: 4.01.50
